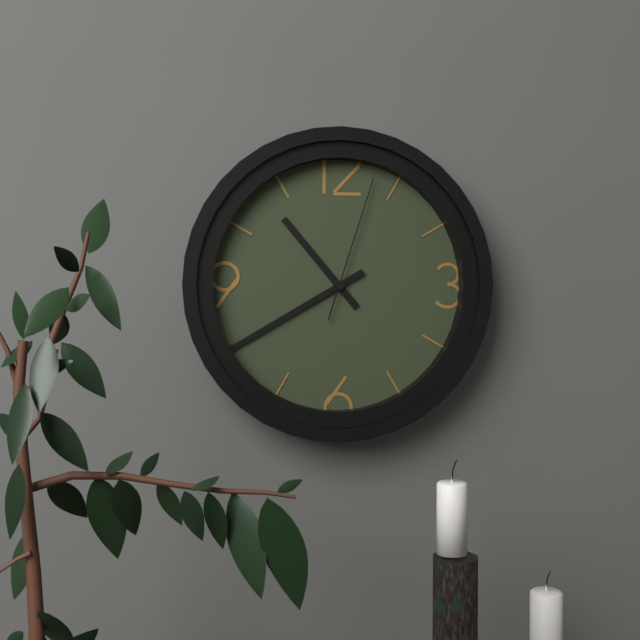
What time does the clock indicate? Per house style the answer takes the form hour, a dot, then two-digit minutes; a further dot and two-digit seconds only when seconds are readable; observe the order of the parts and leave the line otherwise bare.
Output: 10.40.03
